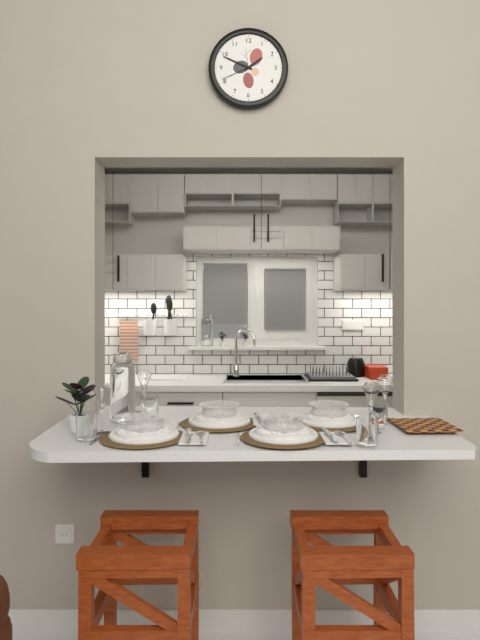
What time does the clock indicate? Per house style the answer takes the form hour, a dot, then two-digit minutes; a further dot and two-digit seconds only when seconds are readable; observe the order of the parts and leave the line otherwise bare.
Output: 1.49
